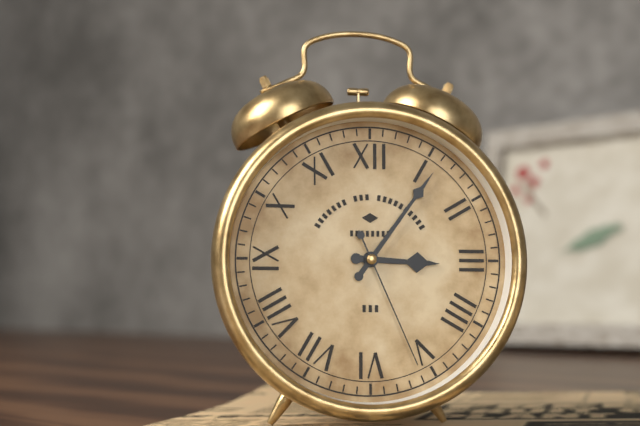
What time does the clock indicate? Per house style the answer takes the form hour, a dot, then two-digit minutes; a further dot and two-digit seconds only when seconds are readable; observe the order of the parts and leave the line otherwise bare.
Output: 3.06.26
